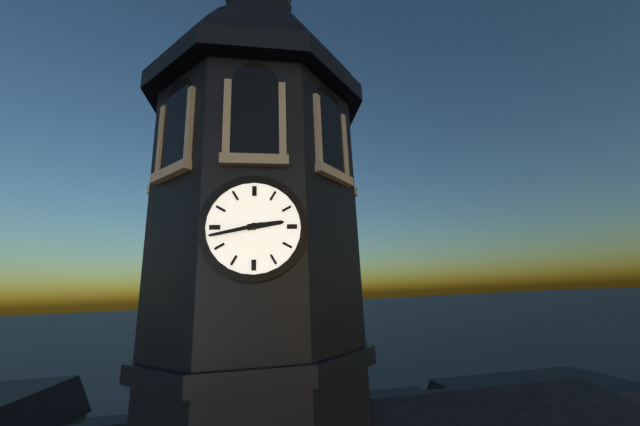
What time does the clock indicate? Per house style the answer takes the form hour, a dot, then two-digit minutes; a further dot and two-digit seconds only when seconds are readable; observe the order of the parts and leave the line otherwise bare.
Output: 2.43
